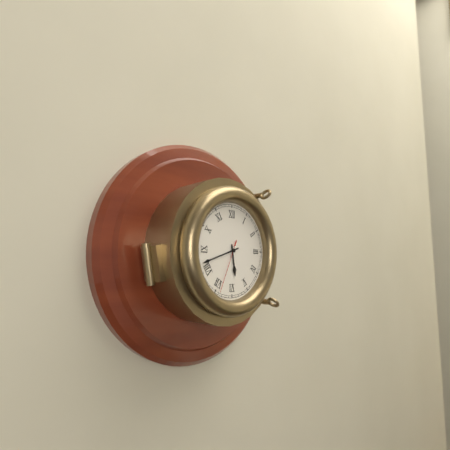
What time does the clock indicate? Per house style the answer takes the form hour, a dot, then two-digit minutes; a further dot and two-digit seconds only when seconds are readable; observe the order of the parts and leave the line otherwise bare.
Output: 5.42.34
